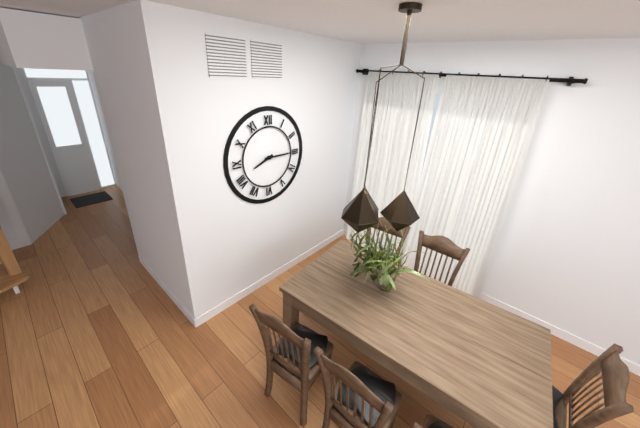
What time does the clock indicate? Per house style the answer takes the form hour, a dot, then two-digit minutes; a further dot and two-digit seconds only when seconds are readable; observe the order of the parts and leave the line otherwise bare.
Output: 8.15
